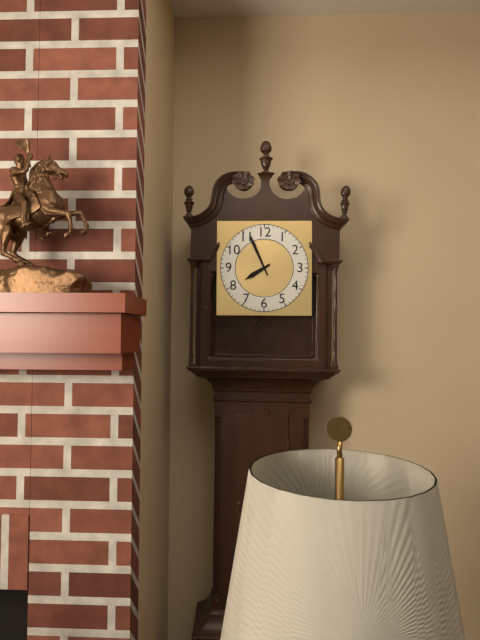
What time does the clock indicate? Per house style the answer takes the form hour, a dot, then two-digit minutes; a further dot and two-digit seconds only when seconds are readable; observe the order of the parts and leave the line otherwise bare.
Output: 7.56
